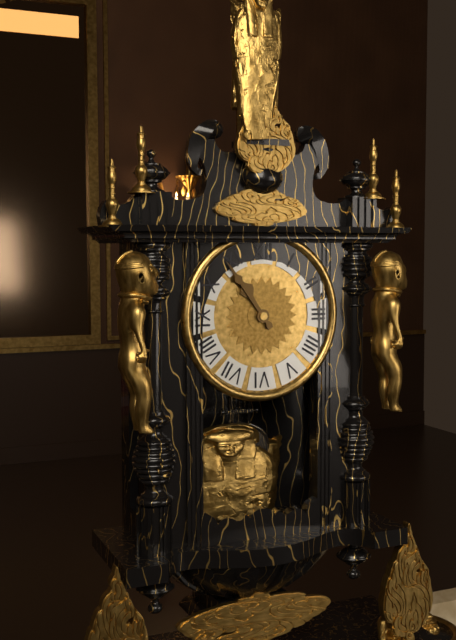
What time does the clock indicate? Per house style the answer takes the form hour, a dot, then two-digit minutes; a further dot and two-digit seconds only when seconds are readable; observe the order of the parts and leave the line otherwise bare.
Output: 10.54
